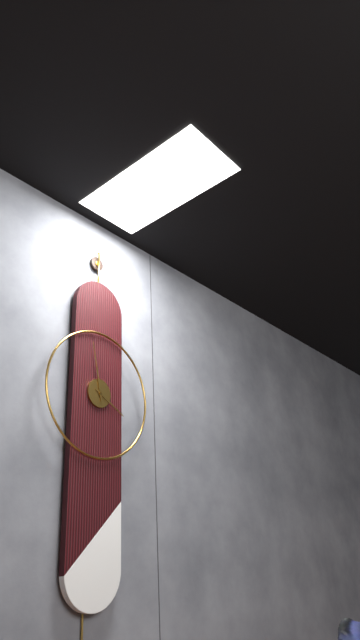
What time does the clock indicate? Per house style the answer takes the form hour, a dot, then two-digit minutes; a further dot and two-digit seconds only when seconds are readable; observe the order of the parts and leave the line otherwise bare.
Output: 3.58
